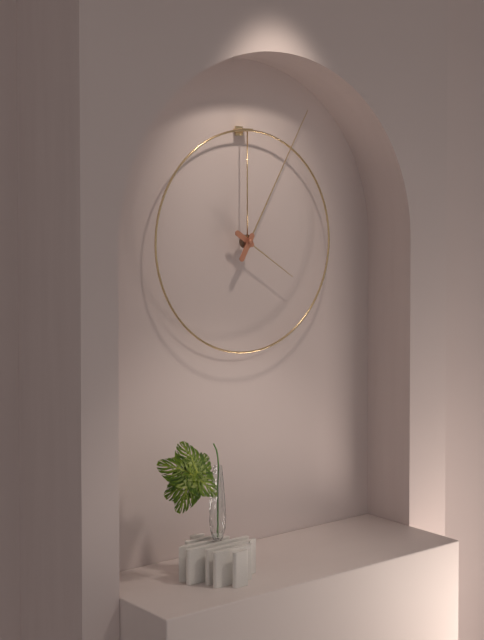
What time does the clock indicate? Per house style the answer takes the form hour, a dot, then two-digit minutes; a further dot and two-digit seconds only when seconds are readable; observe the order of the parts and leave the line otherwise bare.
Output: 4.05
